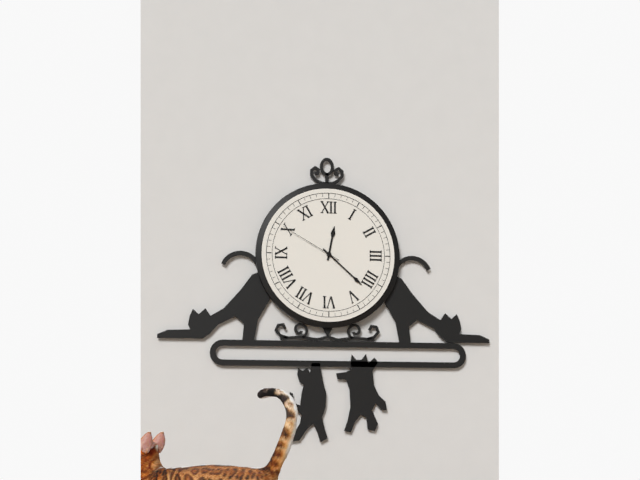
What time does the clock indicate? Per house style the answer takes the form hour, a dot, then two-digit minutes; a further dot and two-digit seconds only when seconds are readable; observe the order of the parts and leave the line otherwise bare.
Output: 12.22.50
